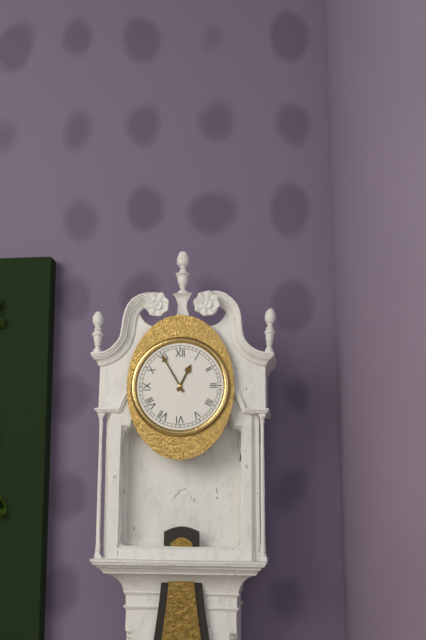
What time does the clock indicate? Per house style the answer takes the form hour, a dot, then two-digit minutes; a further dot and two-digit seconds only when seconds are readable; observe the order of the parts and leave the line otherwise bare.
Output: 12.55
